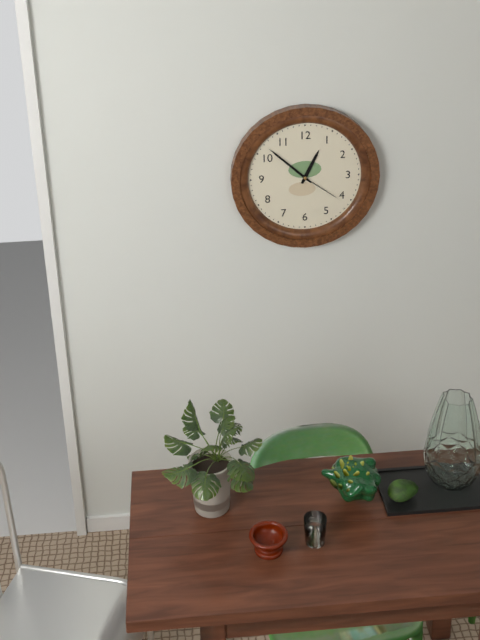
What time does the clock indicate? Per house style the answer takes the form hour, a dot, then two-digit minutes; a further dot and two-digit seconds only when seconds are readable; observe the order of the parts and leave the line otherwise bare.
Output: 12.52.21
